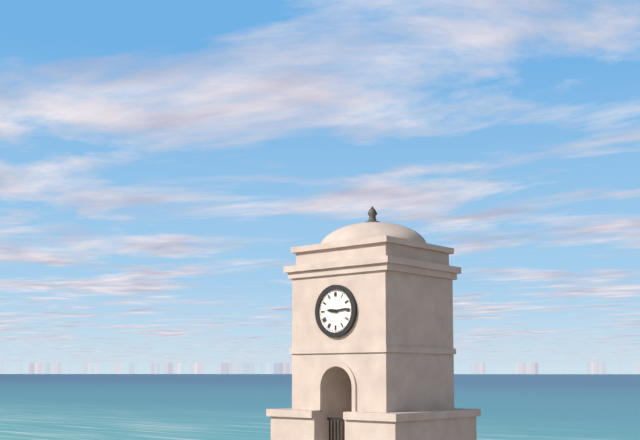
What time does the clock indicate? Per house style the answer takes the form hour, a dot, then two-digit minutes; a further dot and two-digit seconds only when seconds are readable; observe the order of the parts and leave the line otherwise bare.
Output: 9.14
